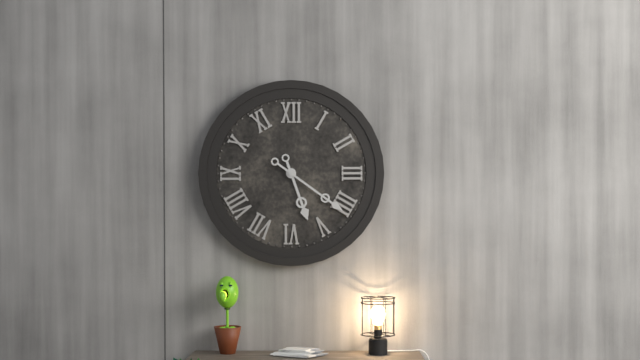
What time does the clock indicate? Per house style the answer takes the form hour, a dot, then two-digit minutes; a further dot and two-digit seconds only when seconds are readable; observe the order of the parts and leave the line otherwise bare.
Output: 5.21
